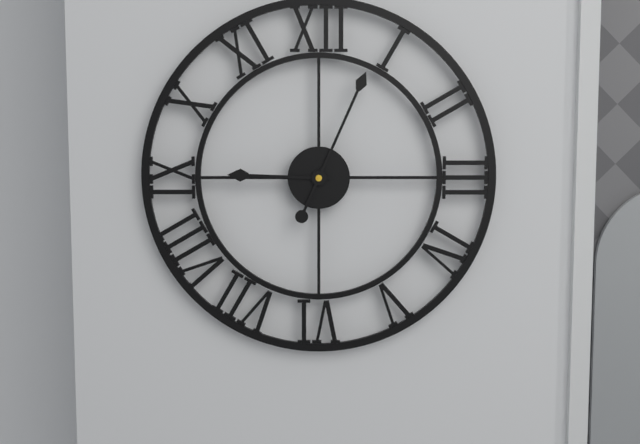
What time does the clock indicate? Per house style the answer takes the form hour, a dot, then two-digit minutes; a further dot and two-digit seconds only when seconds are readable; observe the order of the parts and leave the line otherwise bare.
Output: 9.04
